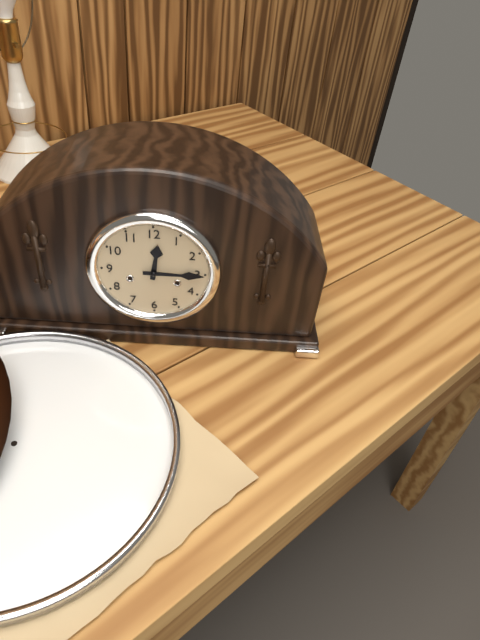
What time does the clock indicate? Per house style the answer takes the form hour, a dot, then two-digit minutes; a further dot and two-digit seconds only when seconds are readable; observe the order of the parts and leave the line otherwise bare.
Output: 12.15
